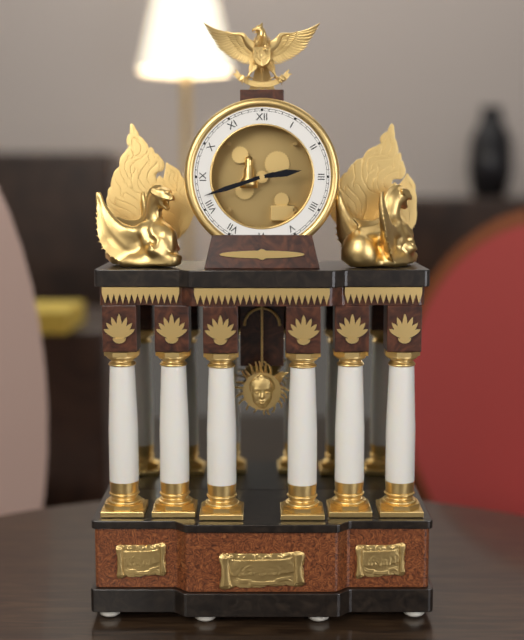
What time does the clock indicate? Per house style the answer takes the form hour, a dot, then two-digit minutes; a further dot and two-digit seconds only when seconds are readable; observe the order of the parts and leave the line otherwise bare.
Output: 2.42
